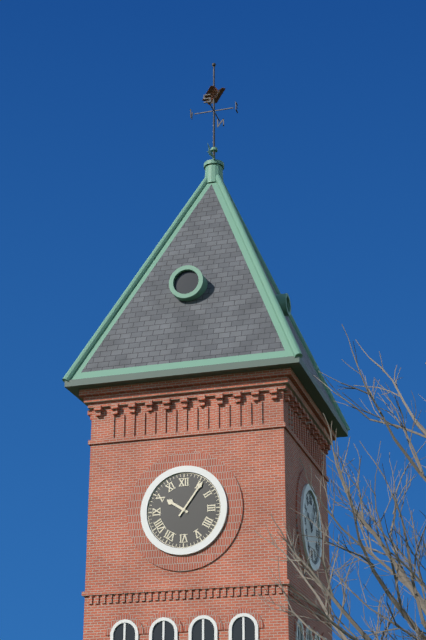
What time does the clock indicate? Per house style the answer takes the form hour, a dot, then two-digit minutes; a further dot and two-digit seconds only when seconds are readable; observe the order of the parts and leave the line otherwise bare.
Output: 10.06
